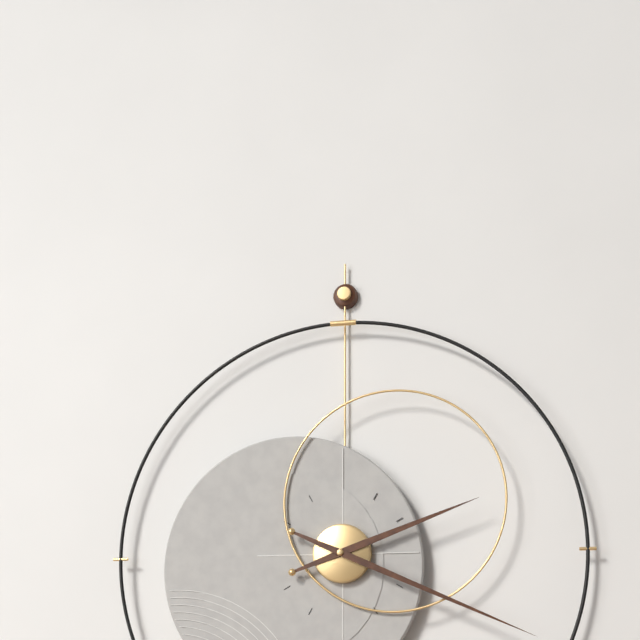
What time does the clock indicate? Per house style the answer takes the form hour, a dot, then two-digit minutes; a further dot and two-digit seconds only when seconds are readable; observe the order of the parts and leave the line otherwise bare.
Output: 2.19
